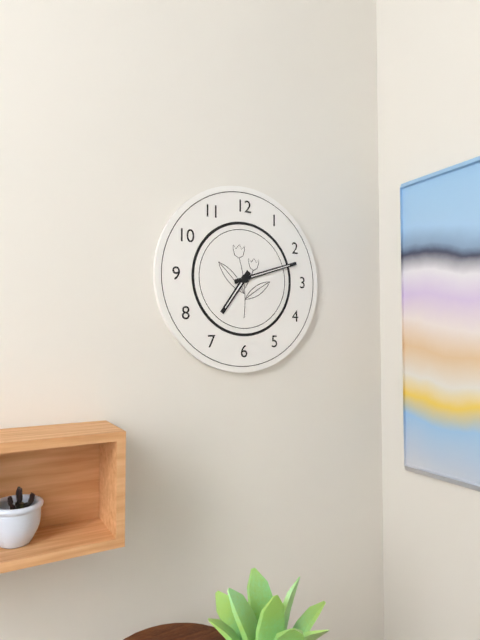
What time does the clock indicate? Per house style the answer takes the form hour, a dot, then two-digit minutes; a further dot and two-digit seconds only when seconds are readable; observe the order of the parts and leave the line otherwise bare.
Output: 7.12
